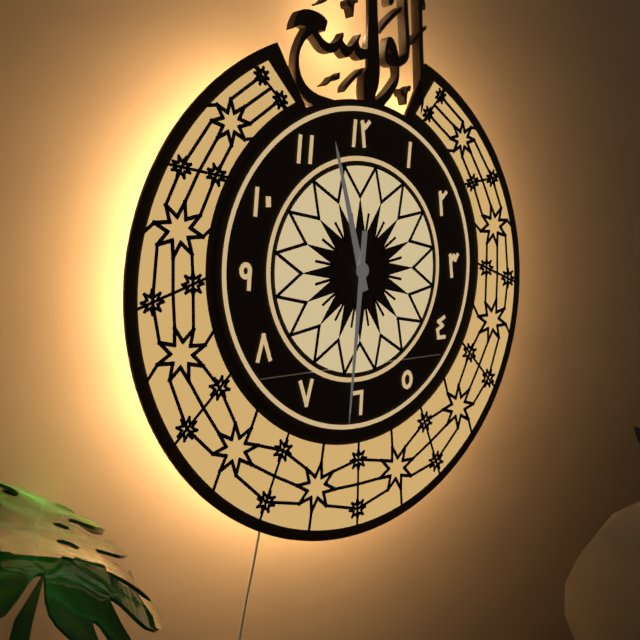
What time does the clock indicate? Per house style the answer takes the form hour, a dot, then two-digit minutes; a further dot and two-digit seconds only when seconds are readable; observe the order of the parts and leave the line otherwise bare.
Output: 11.31
